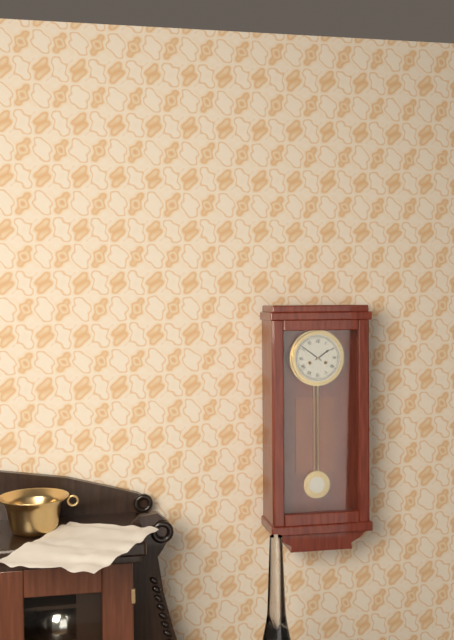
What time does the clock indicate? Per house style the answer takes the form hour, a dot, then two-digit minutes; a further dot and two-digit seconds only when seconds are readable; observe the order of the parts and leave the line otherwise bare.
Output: 1.51
